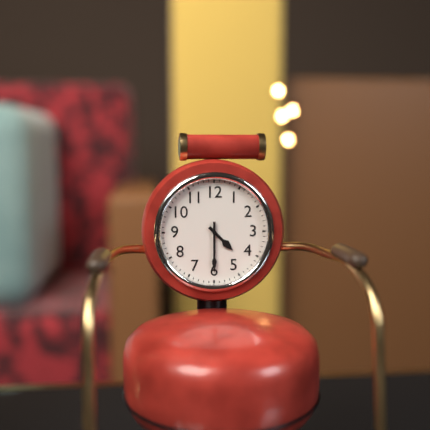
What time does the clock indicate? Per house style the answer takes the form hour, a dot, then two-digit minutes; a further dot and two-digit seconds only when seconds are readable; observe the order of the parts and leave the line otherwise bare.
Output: 4.30
